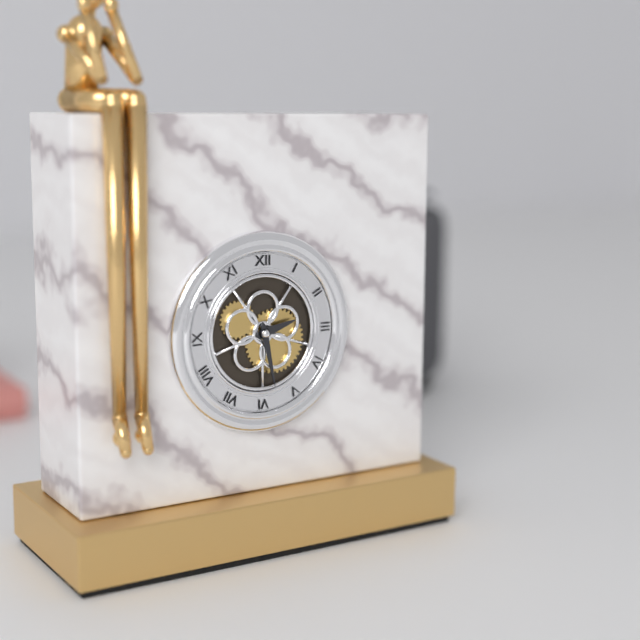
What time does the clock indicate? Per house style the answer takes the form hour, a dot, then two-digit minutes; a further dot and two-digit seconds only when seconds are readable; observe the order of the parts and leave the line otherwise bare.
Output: 2.28
